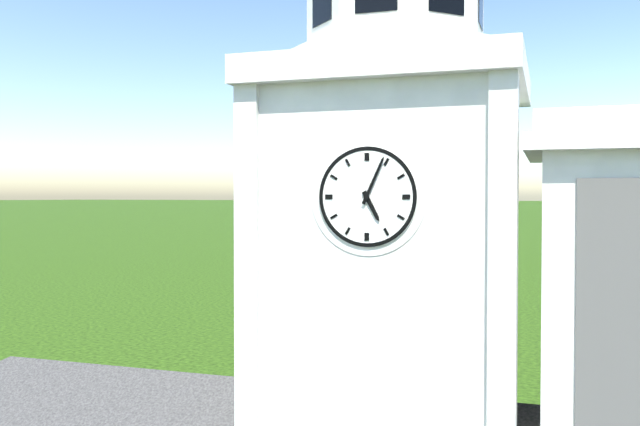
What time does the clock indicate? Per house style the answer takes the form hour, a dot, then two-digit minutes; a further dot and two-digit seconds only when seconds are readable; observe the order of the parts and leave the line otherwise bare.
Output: 5.04
